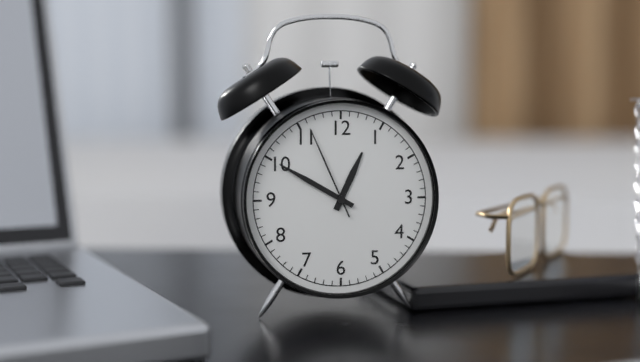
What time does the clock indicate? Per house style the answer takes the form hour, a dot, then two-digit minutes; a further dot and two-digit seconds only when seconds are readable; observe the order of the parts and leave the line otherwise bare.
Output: 12.50.56
